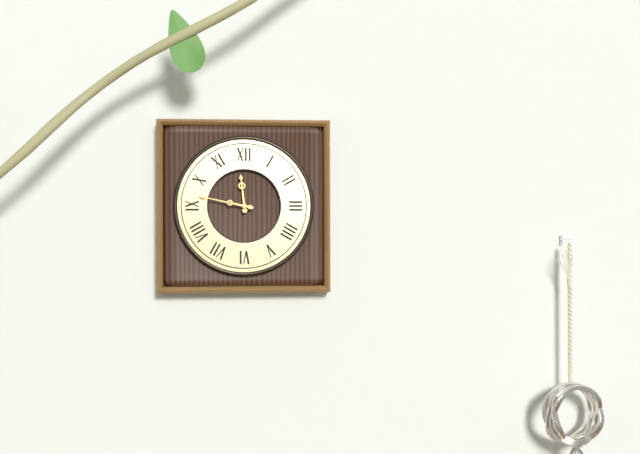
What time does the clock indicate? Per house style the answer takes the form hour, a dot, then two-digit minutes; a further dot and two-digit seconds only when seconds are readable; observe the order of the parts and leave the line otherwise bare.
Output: 11.47
